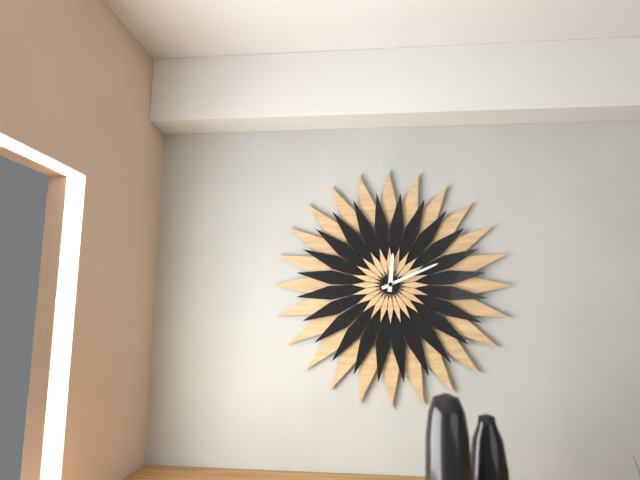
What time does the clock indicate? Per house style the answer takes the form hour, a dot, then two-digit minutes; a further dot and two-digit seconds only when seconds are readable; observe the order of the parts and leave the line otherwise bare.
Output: 12.11
